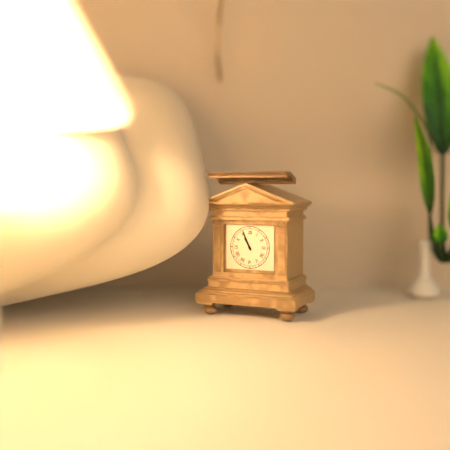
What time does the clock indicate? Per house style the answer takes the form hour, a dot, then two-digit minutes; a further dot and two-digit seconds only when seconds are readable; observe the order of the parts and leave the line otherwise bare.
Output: 10.56
